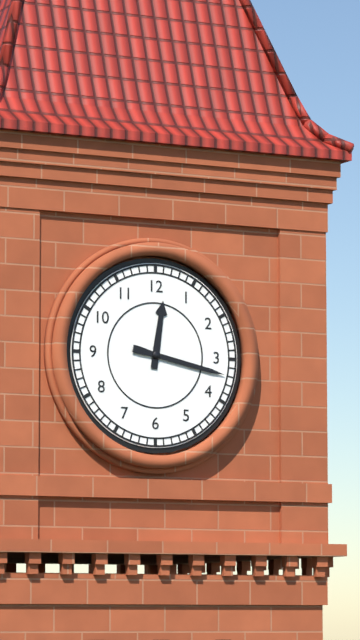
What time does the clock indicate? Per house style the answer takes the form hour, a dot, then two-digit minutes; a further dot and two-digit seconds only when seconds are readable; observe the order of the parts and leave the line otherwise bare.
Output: 12.17
